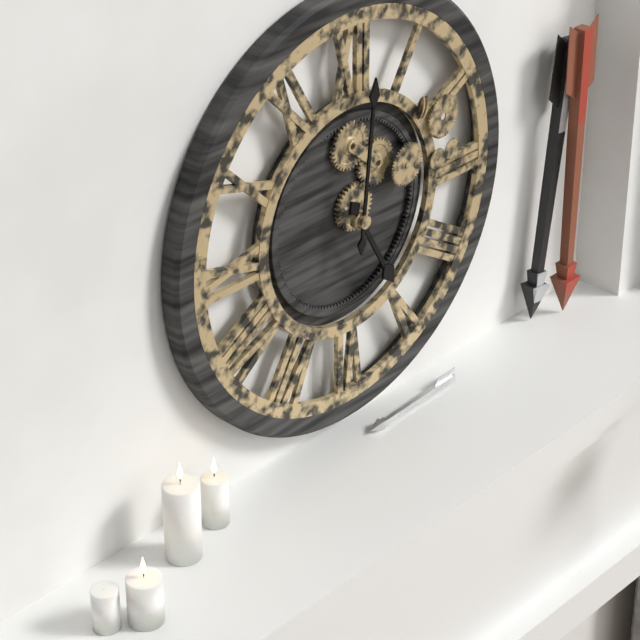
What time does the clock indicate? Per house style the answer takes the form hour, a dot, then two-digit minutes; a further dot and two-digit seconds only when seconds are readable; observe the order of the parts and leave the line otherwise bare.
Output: 5.01
